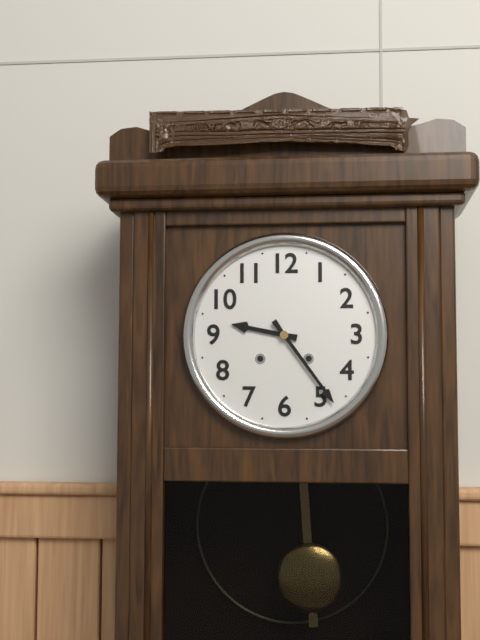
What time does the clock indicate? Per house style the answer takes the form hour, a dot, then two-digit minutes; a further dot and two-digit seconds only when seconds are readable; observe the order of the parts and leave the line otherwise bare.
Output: 9.24
